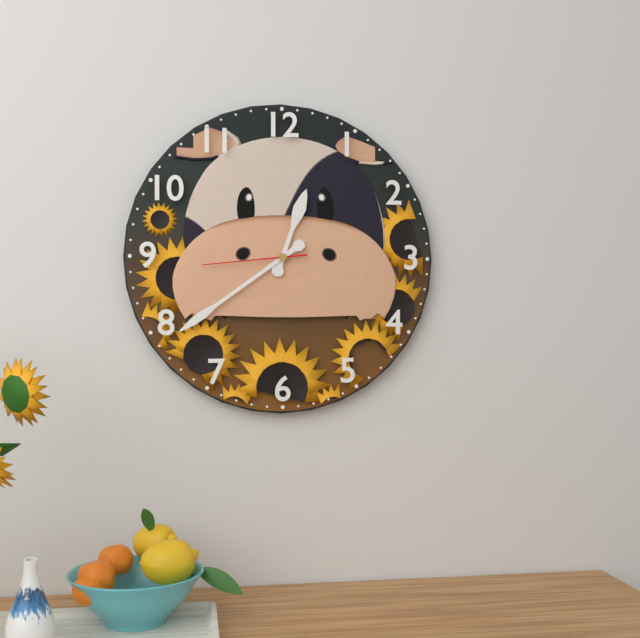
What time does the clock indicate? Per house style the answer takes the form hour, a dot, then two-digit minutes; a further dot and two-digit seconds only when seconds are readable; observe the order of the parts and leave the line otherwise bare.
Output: 12.39.44
